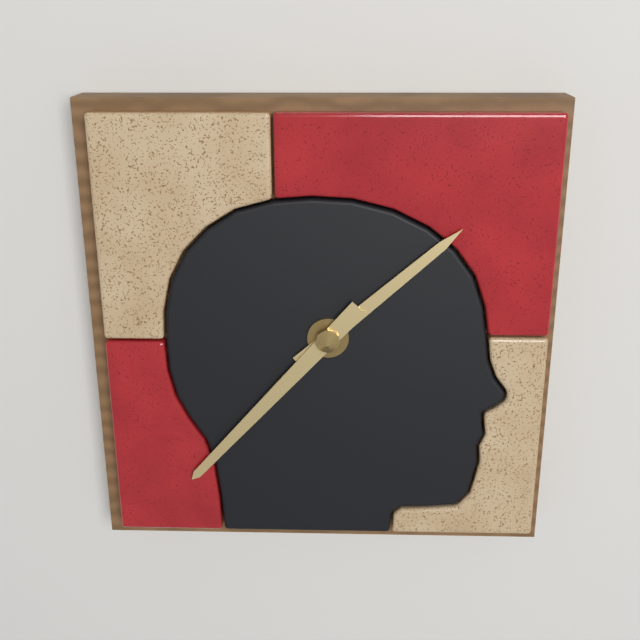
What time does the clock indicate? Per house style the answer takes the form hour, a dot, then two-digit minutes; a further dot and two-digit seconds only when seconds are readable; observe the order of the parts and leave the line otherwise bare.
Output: 1.37
